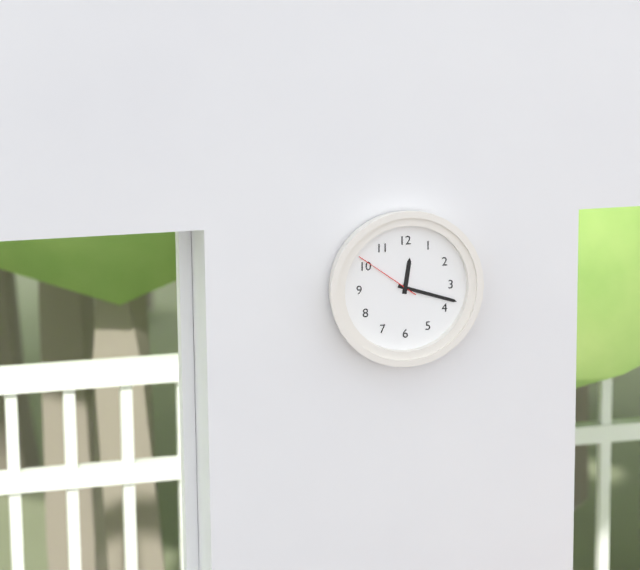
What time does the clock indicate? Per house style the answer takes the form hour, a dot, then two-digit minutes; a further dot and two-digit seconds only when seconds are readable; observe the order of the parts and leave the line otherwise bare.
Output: 12.18.51
